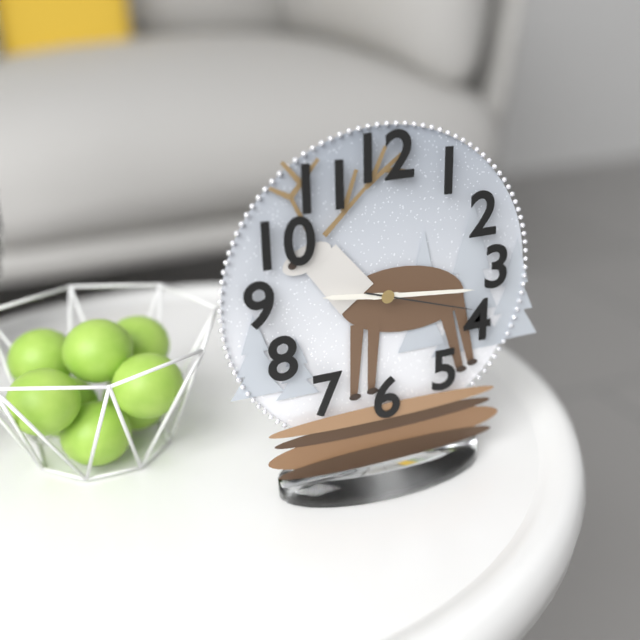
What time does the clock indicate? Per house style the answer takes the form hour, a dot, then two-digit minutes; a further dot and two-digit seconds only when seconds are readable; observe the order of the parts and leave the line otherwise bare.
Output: 9.16.18
